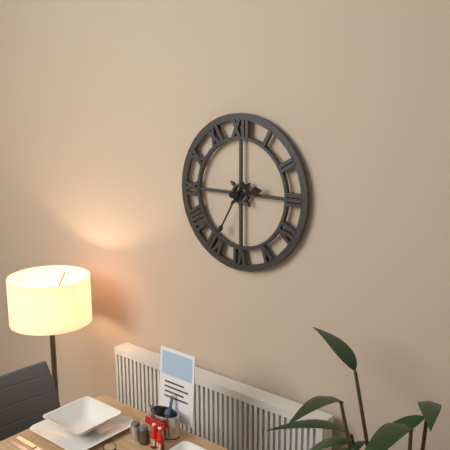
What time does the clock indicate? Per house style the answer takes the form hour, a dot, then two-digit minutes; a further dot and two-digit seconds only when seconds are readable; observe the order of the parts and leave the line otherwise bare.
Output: 2.35
